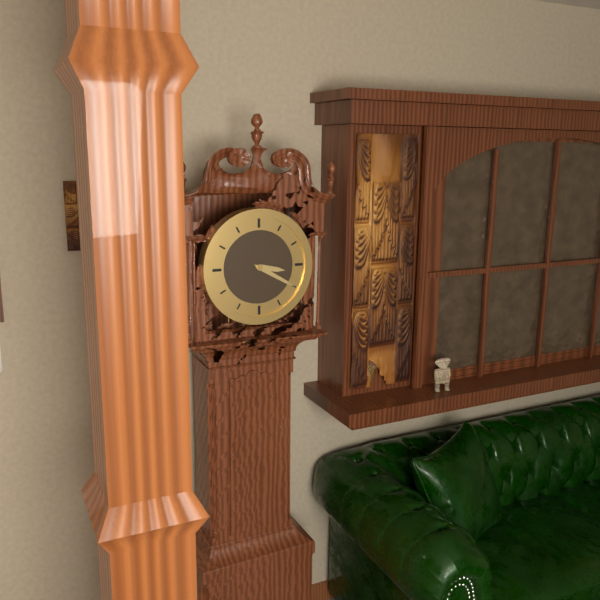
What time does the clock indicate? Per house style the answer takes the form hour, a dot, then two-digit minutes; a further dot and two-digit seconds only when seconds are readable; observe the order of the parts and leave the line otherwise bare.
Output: 3.20
